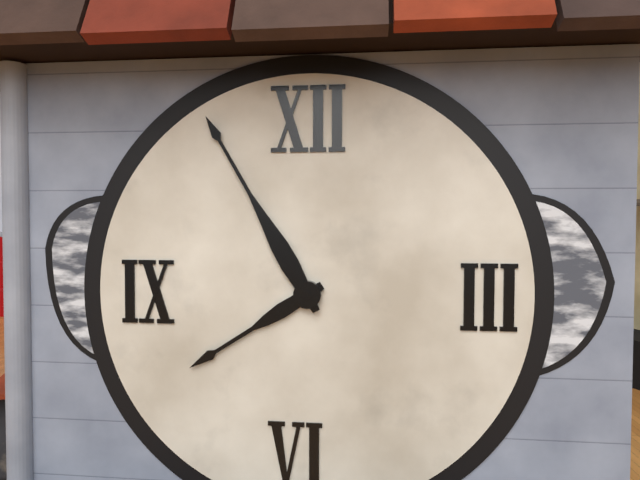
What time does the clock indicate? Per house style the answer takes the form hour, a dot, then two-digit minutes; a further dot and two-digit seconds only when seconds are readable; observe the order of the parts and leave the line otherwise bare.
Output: 7.55
